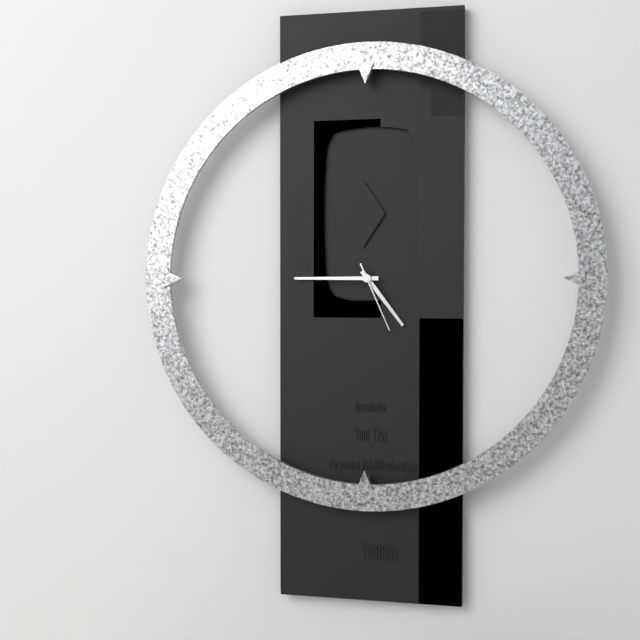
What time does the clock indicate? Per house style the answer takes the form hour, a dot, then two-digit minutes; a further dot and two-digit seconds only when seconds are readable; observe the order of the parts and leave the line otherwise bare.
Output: 4.45.26
